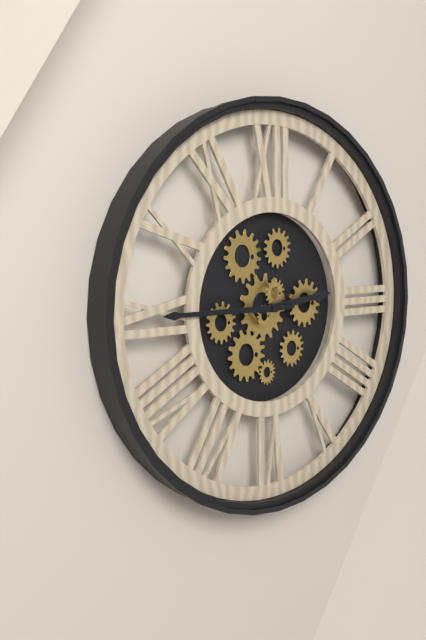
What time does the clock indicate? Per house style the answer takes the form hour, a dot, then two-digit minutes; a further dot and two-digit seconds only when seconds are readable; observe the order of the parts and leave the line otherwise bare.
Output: 2.45
